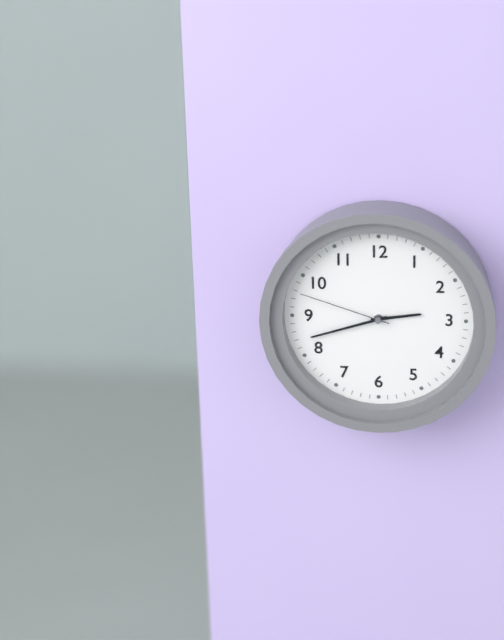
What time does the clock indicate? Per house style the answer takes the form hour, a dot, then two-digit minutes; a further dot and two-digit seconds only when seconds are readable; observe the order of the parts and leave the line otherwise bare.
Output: 2.42.48
